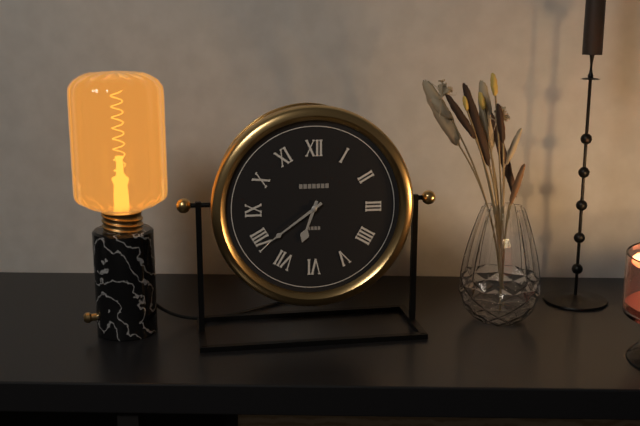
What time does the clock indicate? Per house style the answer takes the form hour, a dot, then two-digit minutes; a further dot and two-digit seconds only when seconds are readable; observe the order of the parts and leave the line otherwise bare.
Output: 6.39
